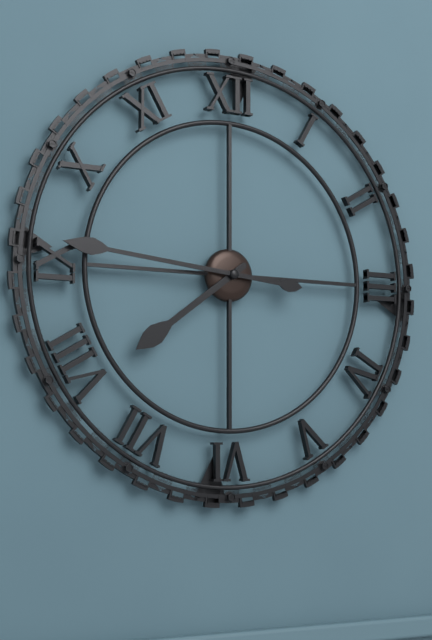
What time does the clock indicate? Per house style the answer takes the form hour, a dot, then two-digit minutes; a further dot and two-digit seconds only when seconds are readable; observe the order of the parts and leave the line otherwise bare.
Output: 7.46
